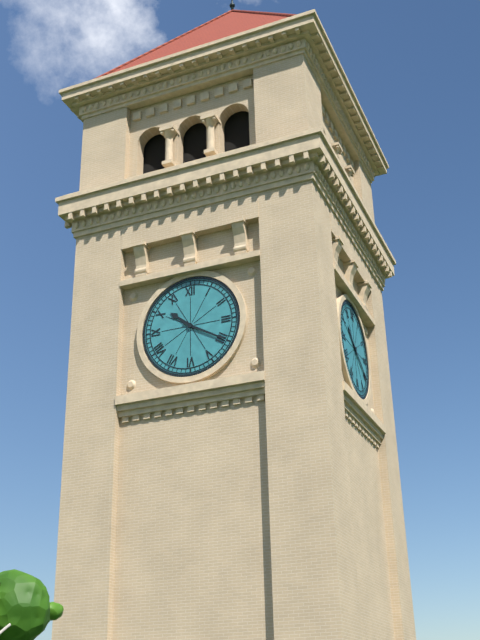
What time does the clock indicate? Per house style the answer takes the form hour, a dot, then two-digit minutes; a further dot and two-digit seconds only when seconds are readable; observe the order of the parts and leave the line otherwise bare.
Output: 10.20
